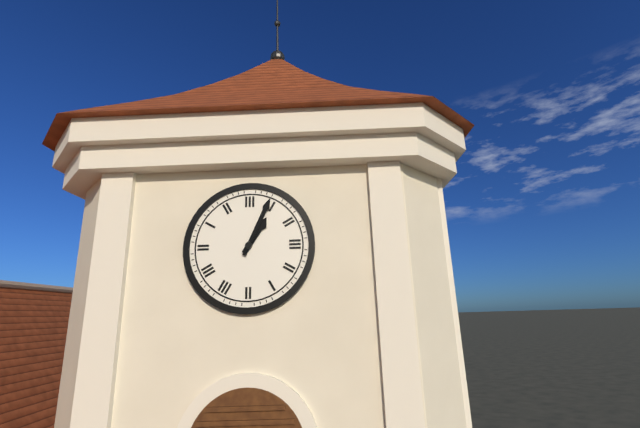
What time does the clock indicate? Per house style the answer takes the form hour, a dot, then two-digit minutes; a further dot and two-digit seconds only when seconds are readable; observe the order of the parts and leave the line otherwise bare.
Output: 1.04
